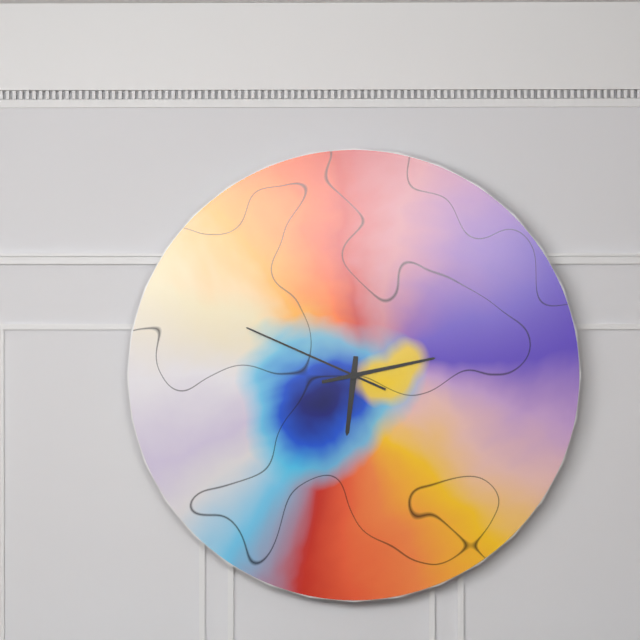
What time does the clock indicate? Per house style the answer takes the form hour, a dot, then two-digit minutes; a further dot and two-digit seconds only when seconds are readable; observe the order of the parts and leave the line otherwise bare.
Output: 6.13.49
